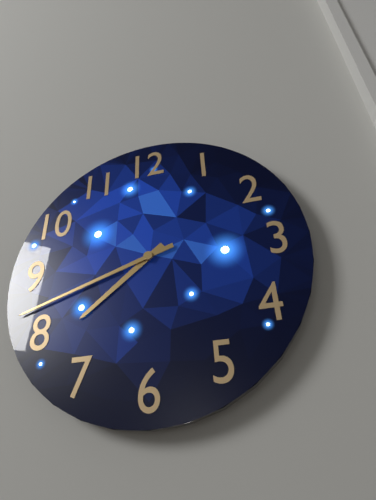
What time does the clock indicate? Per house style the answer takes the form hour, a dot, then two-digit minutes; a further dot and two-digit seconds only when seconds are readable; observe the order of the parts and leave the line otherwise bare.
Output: 7.42
